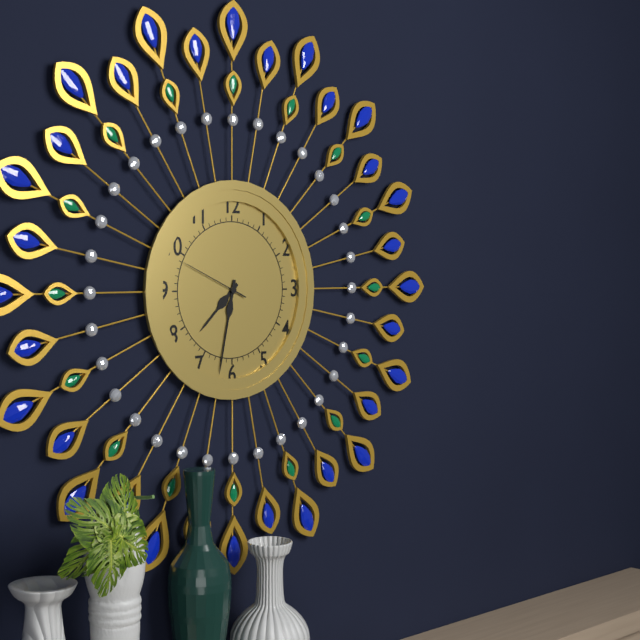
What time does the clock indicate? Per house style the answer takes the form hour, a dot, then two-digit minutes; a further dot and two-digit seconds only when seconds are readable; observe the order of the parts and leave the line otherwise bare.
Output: 7.32.49
